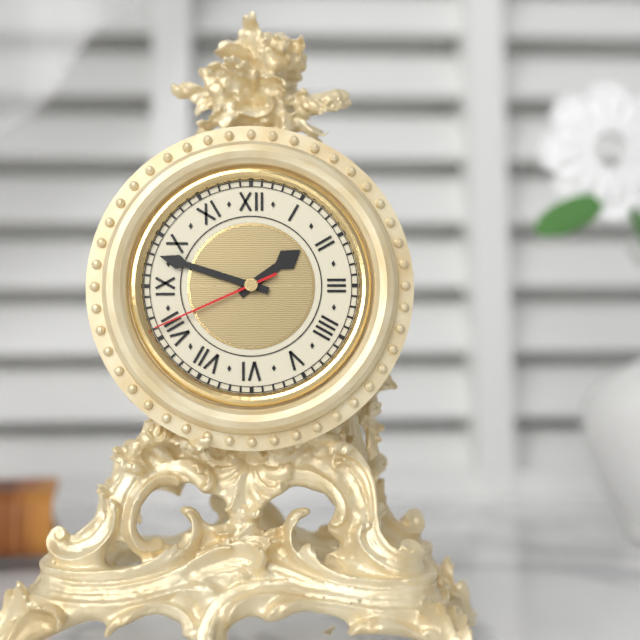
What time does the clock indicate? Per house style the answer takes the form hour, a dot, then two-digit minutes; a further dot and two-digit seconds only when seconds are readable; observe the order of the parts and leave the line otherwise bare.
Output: 1.48.41
